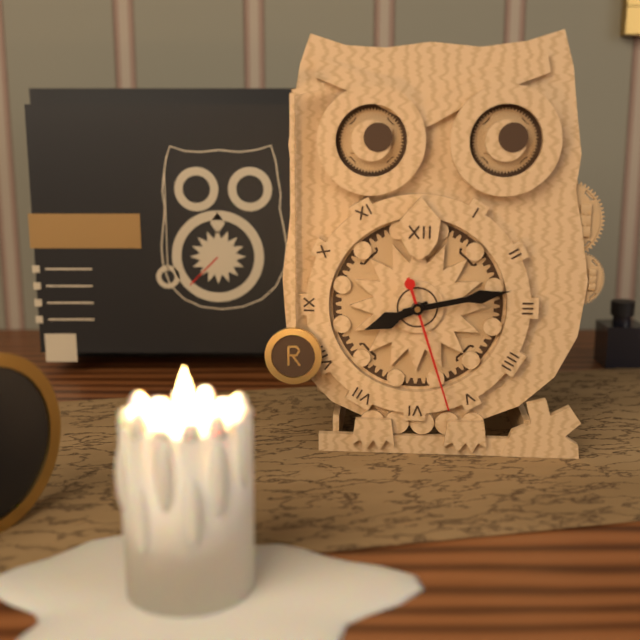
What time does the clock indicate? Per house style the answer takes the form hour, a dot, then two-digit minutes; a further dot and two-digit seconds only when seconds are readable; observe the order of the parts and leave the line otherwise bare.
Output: 8.13.27
